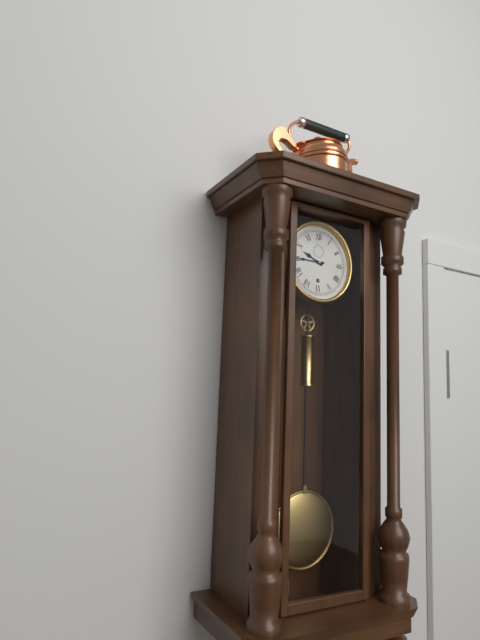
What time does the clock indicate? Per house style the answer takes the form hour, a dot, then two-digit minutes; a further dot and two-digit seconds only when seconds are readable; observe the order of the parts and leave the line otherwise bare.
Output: 9.45
